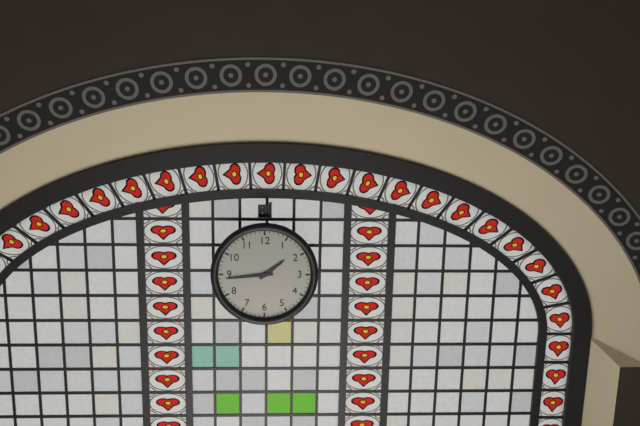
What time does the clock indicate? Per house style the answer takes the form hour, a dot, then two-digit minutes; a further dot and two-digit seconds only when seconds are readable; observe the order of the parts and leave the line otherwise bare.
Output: 1.44
